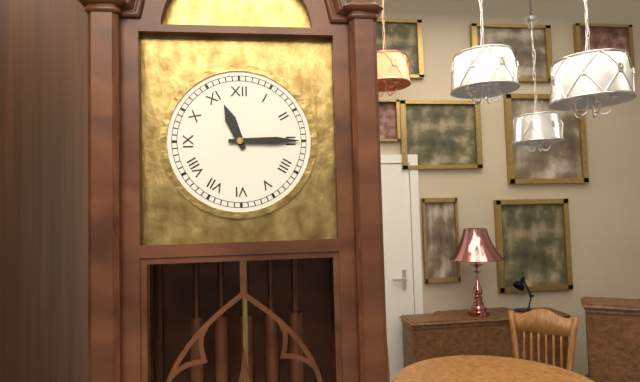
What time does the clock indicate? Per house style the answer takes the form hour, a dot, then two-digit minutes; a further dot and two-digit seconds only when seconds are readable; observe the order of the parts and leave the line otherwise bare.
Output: 11.15
